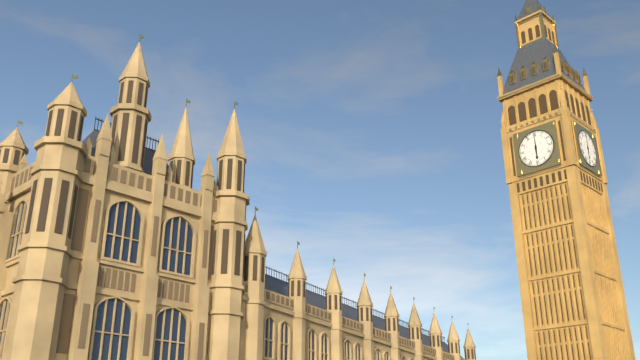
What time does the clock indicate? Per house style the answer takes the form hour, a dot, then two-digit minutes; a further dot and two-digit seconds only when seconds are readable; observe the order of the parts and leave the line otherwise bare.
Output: 6.00
